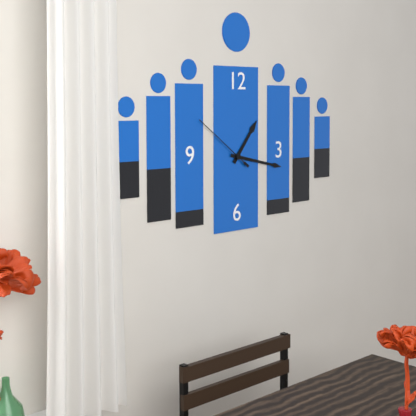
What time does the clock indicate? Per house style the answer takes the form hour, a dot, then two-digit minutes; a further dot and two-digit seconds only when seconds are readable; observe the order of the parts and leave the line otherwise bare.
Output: 1.17.51
